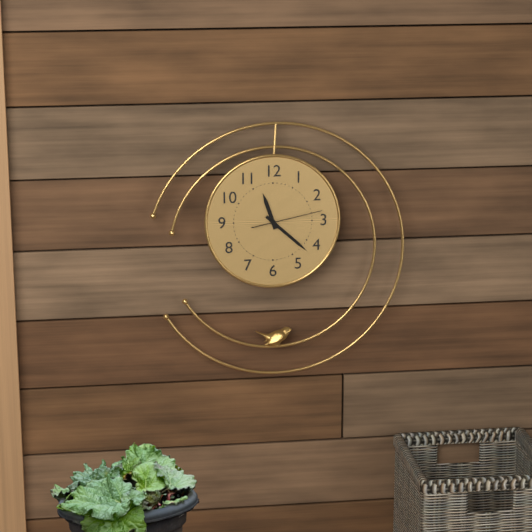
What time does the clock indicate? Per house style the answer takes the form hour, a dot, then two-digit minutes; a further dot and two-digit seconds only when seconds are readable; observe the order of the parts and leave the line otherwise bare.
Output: 11.22.13
